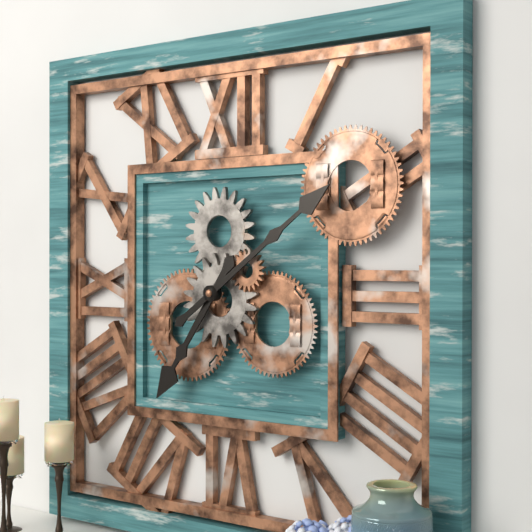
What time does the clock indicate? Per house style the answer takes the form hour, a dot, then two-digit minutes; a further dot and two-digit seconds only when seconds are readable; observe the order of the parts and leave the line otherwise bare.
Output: 7.09
